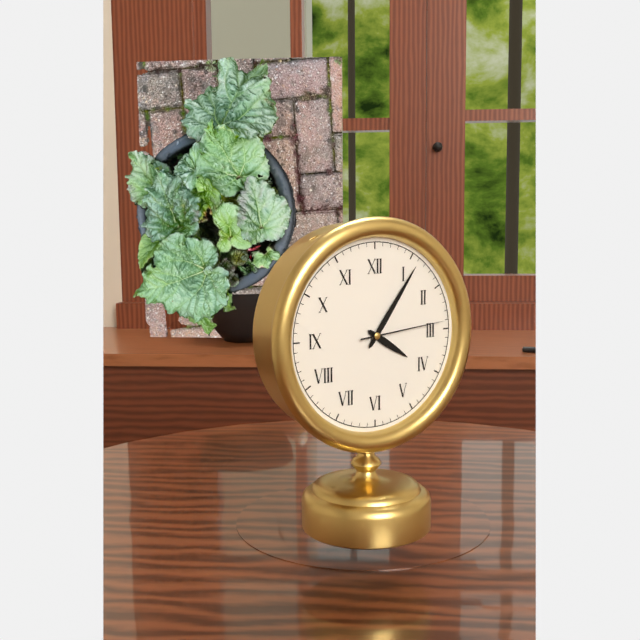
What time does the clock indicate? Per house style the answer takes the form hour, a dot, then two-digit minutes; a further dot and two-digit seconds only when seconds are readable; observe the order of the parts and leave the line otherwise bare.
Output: 4.06.14
